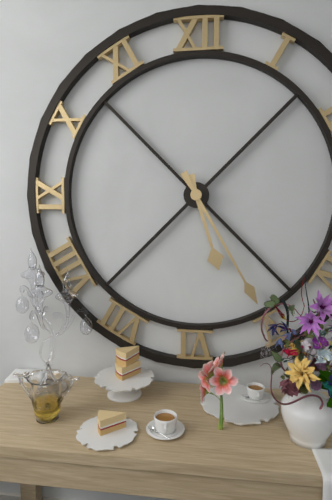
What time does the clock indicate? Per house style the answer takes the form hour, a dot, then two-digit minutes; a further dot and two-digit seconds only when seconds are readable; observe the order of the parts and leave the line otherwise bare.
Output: 5.25
